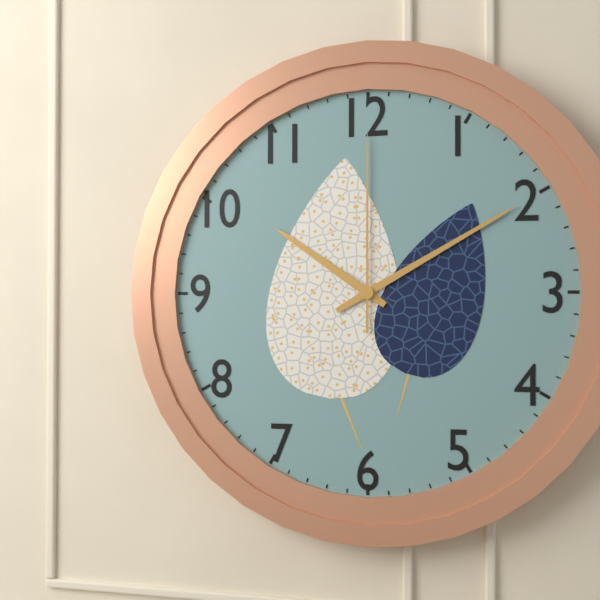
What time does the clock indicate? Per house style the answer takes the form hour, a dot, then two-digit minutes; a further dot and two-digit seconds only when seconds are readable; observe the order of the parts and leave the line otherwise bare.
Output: 10.10.00
